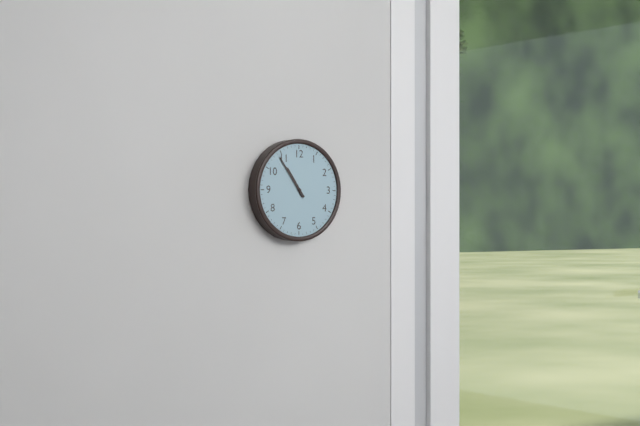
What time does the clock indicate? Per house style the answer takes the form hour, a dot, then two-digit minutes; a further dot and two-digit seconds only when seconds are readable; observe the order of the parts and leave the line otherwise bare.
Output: 10.54
